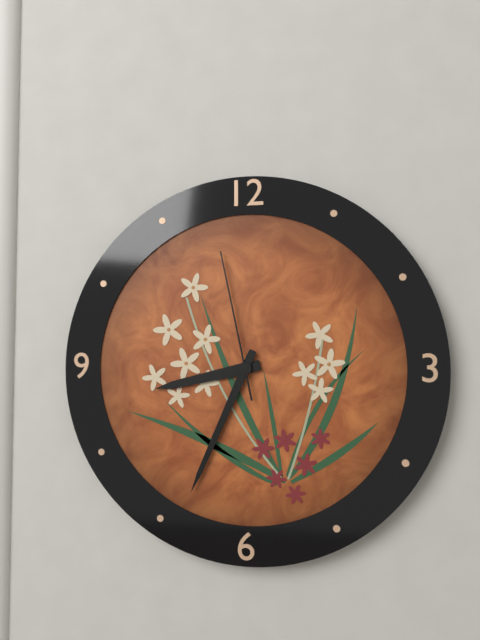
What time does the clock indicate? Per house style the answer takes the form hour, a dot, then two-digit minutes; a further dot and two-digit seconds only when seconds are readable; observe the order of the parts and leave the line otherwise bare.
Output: 8.34.58
